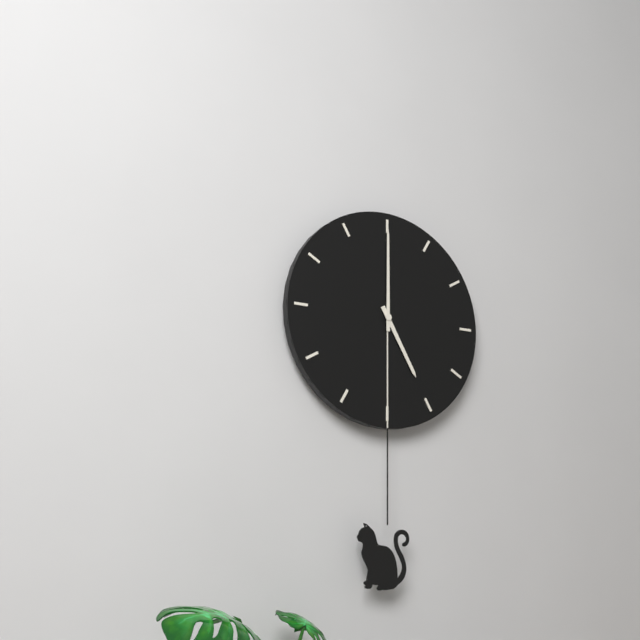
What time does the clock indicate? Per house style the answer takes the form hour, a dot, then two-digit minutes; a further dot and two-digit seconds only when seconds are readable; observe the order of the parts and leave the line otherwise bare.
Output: 5.00
